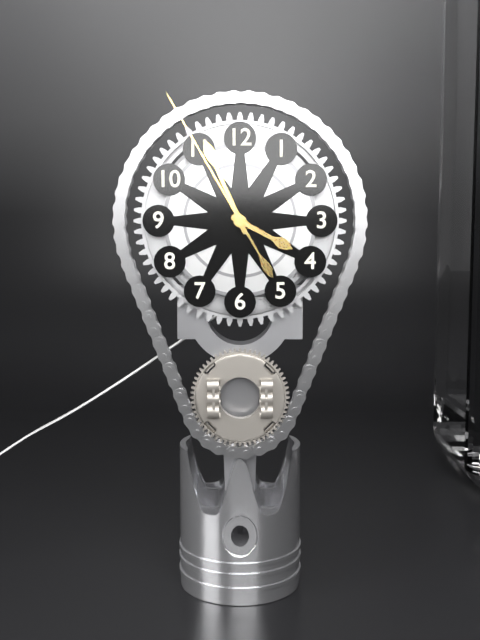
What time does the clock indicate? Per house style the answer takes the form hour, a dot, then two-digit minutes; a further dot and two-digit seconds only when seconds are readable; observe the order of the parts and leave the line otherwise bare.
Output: 3.56.55
